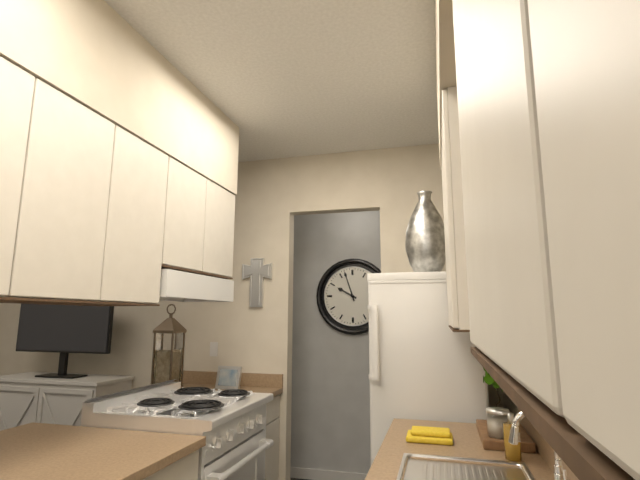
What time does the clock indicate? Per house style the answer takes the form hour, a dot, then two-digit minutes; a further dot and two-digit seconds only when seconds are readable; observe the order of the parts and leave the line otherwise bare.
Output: 9.57
